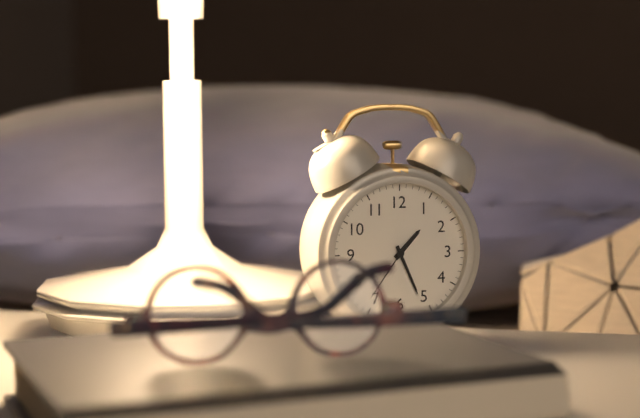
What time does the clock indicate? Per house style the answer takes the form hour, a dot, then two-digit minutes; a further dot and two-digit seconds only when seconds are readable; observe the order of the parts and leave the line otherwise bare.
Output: 1.26.36
